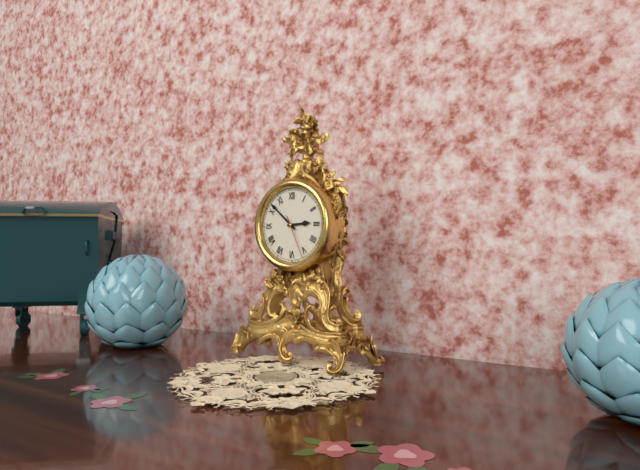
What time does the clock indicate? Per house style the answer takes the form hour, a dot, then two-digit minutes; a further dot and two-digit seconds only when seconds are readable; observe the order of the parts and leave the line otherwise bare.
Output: 2.52
